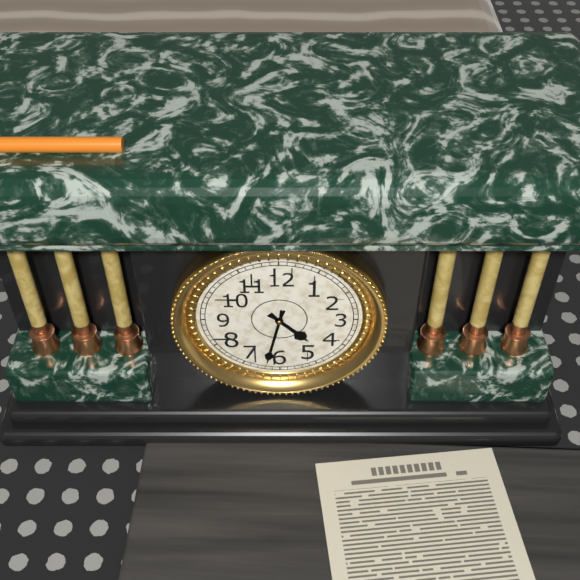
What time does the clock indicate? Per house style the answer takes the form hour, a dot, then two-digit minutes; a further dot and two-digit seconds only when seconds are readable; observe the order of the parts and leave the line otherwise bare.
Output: 4.32
